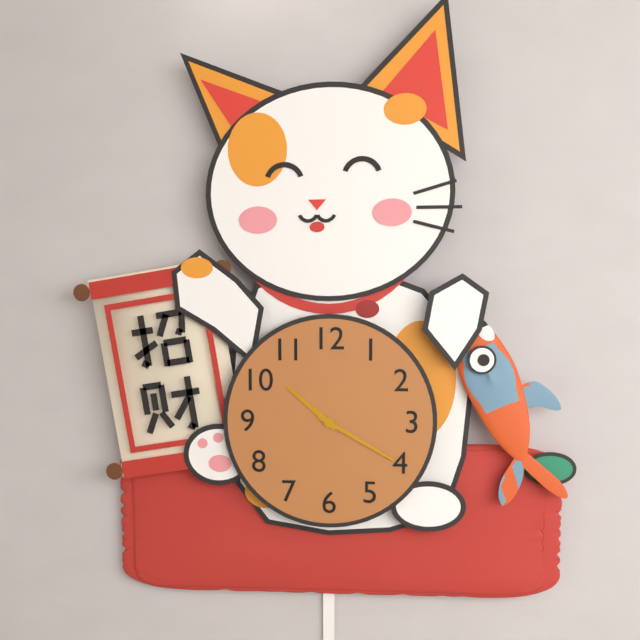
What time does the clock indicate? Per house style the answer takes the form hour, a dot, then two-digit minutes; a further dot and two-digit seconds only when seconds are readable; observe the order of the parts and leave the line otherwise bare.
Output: 10.20
